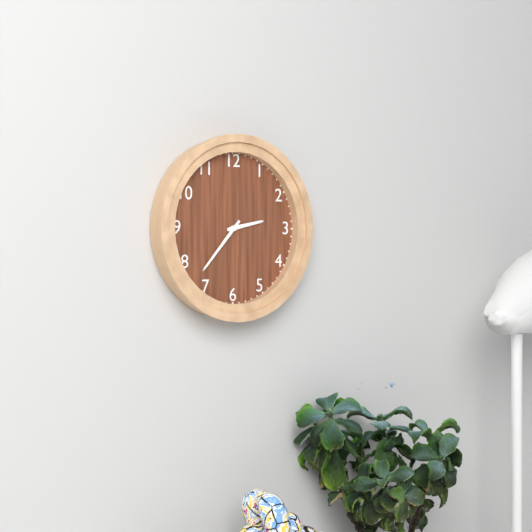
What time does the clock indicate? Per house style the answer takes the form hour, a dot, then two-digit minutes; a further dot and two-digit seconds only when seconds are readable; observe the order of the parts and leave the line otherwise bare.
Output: 2.37
